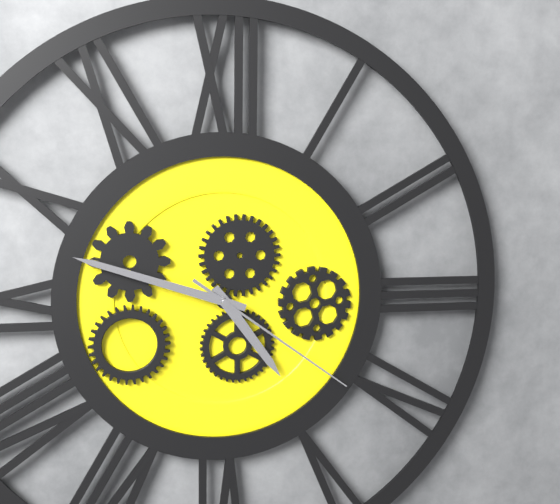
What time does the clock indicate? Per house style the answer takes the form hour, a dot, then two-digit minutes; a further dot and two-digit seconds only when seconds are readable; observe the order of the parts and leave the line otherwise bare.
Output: 4.48.21
